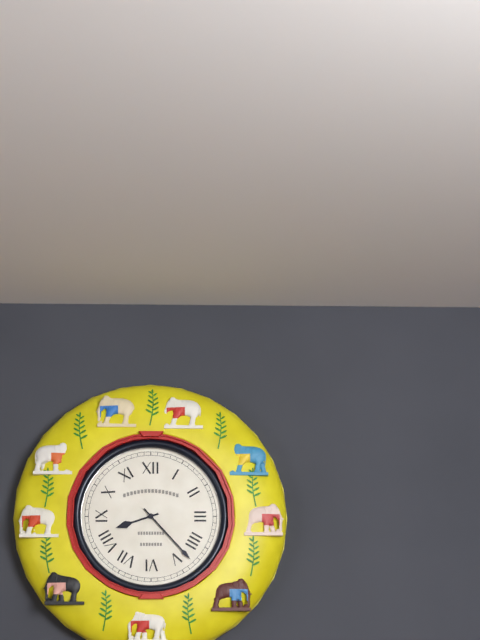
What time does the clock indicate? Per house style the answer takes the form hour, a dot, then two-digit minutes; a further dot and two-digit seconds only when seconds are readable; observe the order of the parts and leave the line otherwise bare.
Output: 8.23
